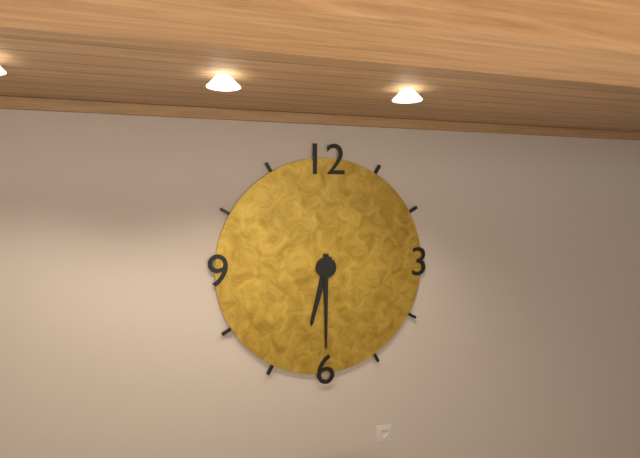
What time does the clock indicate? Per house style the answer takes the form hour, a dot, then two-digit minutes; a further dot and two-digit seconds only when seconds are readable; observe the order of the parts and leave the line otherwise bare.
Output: 6.30
